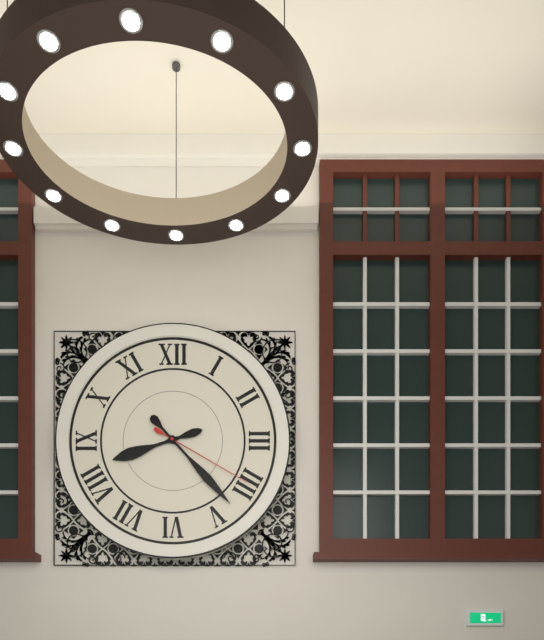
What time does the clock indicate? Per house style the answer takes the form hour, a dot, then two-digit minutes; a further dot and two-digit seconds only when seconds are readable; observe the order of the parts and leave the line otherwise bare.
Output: 8.23.20
